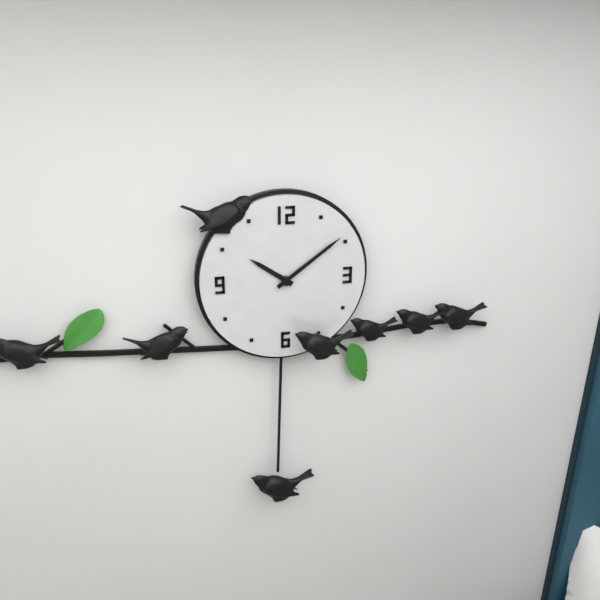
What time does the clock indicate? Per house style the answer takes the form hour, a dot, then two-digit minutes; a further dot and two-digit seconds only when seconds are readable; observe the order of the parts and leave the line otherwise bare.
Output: 10.09
